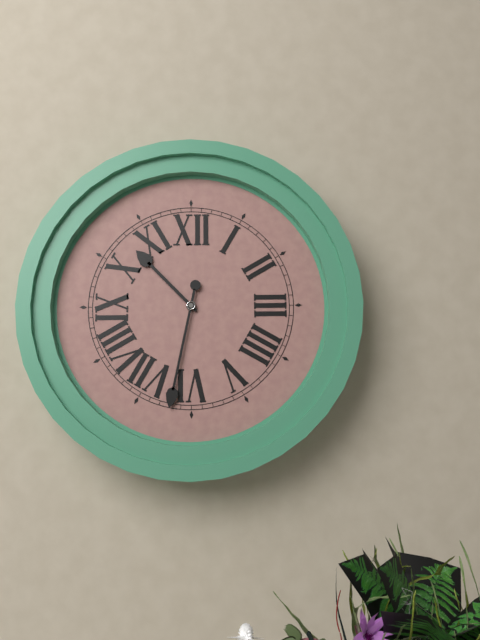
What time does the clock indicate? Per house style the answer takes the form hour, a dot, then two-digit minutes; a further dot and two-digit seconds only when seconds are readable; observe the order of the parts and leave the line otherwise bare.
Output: 10.32
